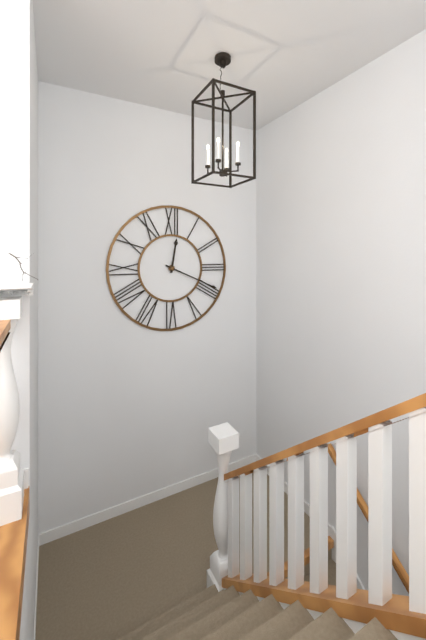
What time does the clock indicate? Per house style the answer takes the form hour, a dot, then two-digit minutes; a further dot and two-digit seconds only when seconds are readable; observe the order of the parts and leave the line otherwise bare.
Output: 12.19
